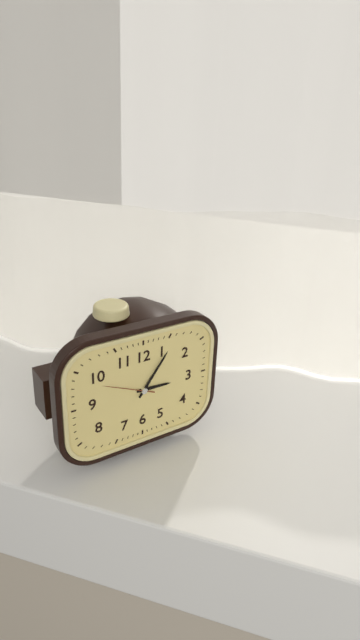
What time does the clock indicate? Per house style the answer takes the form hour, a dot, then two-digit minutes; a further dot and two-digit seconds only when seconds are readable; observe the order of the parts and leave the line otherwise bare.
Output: 3.06.49
